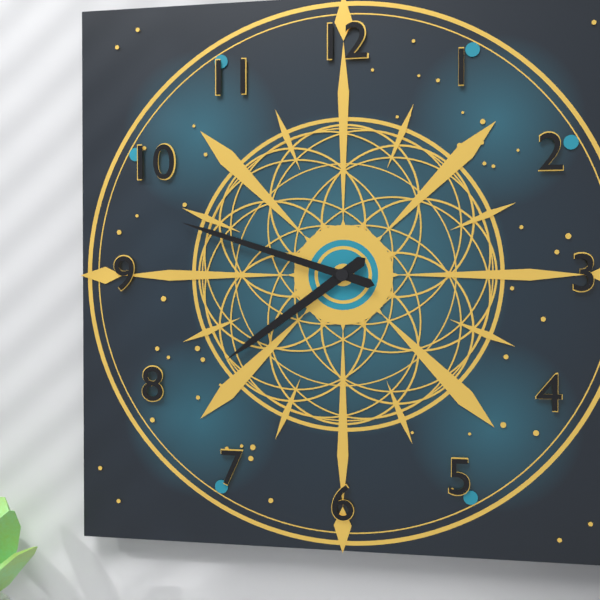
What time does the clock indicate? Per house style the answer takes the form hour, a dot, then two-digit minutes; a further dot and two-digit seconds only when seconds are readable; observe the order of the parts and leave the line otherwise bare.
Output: 7.48
